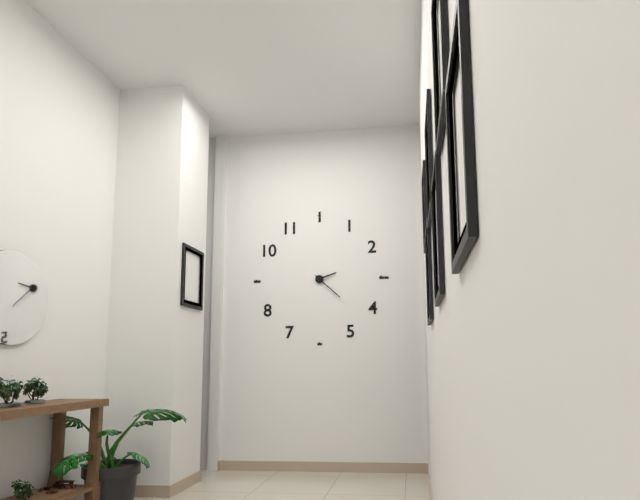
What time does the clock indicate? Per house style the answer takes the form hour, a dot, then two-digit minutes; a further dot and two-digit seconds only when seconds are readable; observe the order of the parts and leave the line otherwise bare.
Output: 2.22
